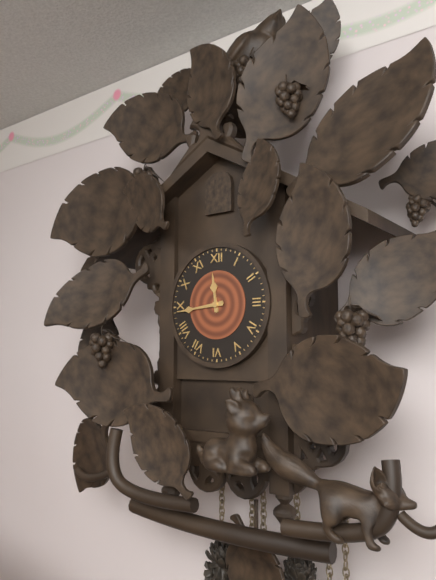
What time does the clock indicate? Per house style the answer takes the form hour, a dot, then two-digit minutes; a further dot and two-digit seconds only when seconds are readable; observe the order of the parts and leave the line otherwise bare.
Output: 11.44
